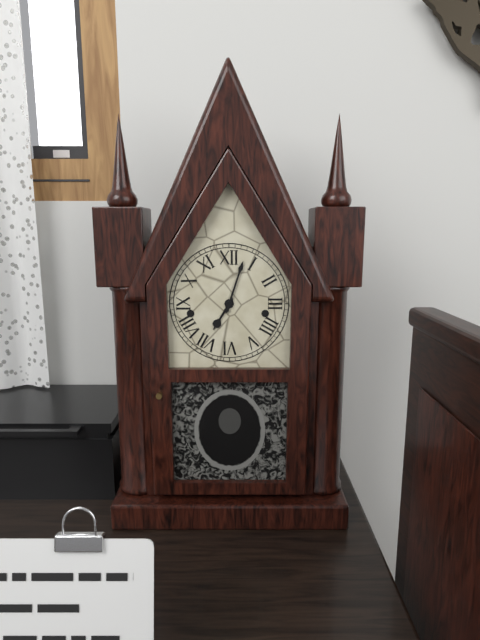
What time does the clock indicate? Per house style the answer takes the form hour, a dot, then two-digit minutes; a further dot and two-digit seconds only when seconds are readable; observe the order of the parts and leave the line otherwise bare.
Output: 7.03
